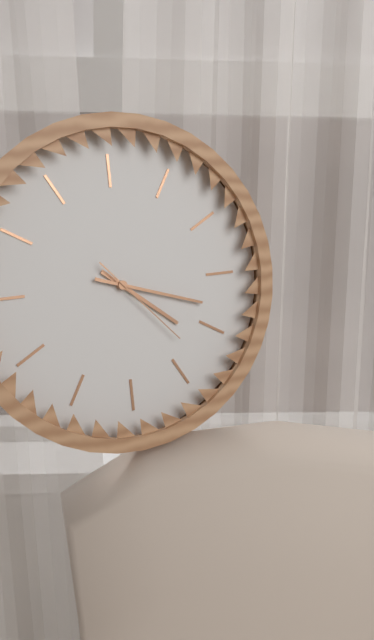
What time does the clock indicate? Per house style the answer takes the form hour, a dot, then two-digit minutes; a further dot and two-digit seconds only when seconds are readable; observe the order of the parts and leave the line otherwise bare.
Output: 4.18.23
